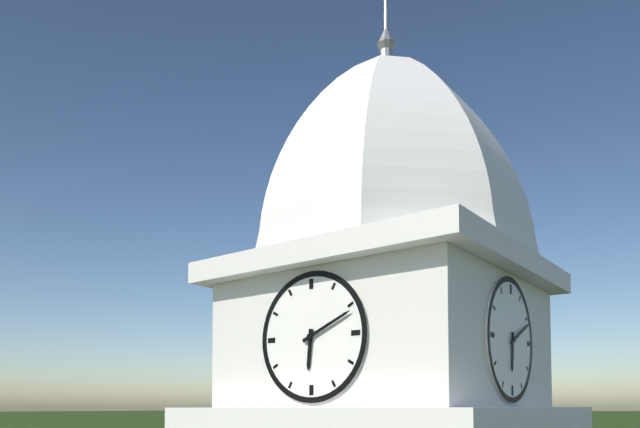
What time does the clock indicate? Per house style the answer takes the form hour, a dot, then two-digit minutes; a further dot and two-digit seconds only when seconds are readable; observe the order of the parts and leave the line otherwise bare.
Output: 6.11
